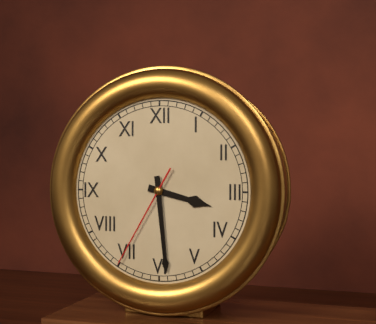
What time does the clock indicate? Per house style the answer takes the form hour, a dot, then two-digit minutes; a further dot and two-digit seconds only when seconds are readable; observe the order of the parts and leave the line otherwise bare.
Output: 3.29.35
